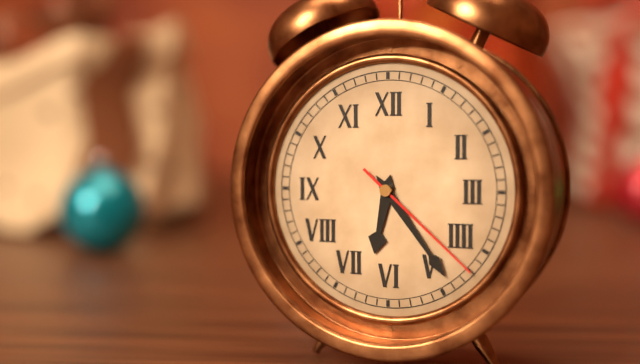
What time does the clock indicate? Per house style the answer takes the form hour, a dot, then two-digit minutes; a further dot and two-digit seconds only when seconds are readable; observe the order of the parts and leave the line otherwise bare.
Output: 6.24.22
